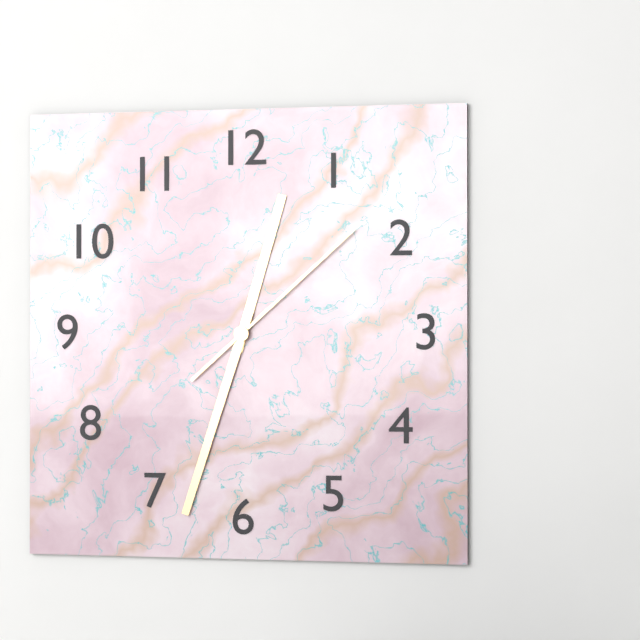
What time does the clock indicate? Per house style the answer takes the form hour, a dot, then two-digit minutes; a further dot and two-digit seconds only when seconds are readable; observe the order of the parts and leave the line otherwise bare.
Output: 12.33.08
